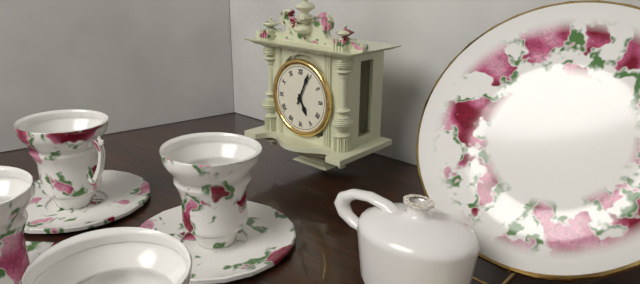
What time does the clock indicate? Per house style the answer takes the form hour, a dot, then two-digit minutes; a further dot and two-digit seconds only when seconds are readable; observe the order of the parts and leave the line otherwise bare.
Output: 5.04
